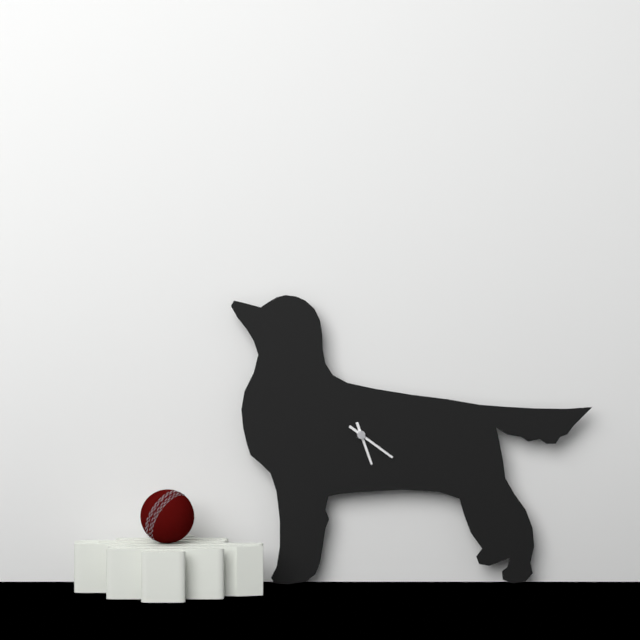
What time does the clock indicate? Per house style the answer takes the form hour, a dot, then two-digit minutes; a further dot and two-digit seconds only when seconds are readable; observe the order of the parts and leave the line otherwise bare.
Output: 5.21
